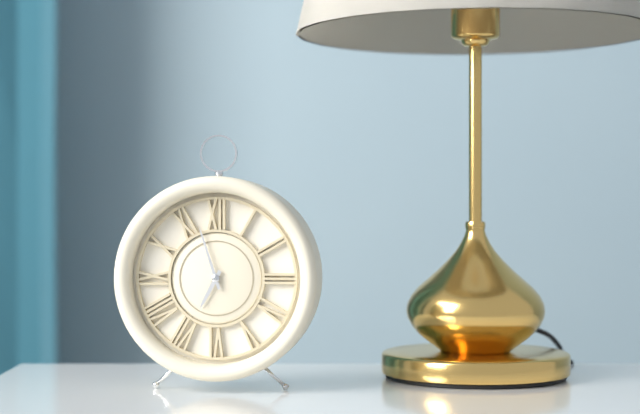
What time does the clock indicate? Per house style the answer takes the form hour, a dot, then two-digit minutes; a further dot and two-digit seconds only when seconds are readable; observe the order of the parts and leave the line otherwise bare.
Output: 6.57
